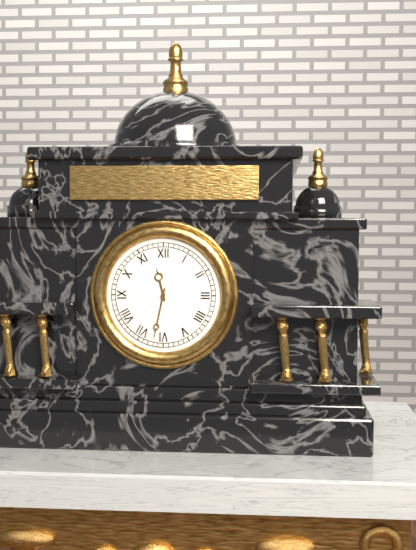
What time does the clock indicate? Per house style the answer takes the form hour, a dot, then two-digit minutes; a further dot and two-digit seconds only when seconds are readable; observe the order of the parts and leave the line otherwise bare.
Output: 11.32
